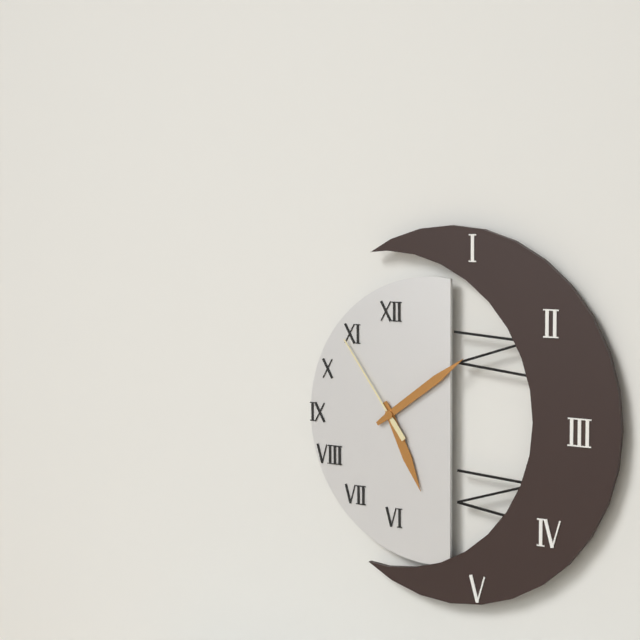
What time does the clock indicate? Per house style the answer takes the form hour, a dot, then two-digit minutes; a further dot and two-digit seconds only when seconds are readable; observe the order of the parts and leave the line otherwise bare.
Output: 5.09.54
